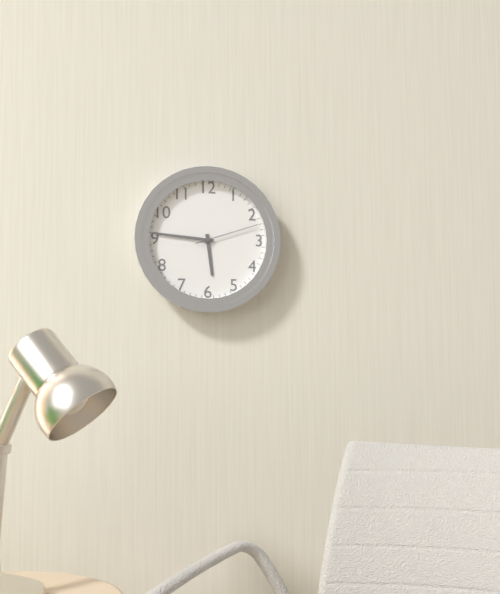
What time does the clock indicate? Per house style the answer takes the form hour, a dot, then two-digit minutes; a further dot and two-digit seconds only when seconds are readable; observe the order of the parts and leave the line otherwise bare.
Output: 5.46.12
